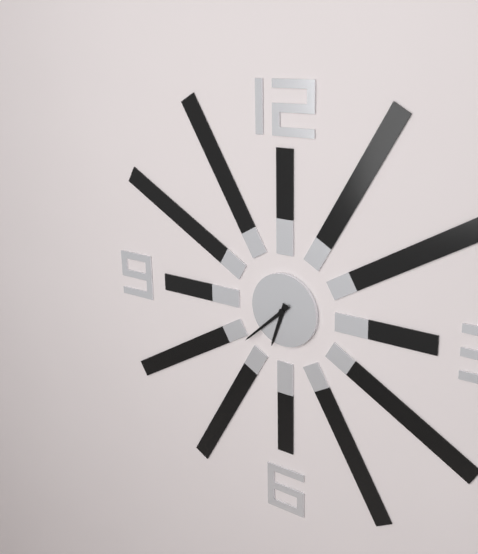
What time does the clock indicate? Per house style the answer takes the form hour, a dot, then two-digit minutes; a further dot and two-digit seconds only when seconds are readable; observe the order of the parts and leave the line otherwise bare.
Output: 6.38
